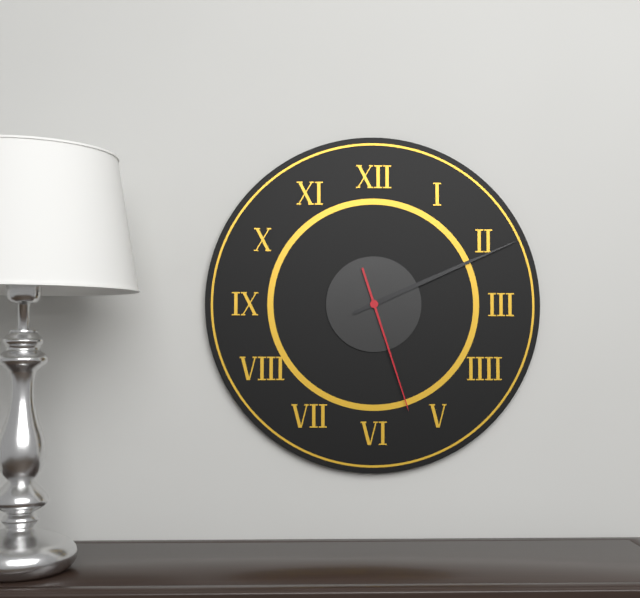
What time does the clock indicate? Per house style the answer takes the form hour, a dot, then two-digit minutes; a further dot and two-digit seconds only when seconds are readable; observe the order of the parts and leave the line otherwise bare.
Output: 2.11.27
